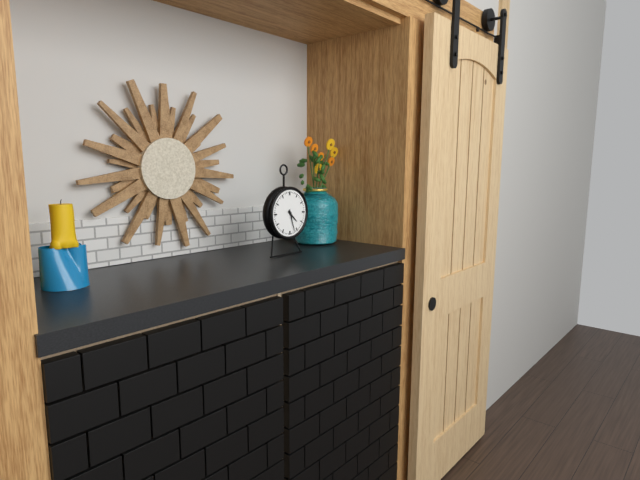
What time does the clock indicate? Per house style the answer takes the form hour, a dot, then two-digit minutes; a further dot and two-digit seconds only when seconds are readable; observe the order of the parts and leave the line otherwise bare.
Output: 4.27
